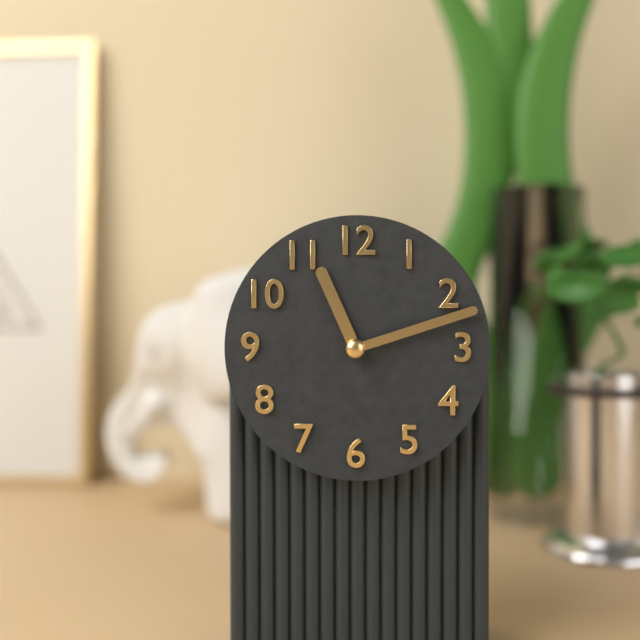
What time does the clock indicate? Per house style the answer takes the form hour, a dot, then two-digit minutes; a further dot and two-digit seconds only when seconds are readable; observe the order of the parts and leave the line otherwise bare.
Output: 11.12
